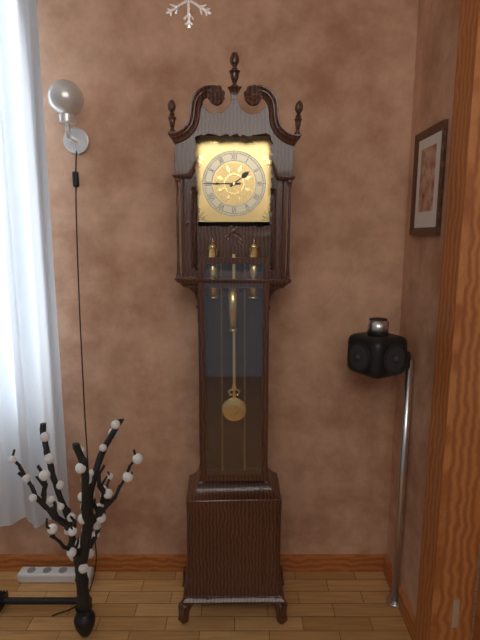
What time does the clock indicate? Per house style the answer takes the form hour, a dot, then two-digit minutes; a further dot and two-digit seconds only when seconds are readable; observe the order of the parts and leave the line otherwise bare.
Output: 1.45
